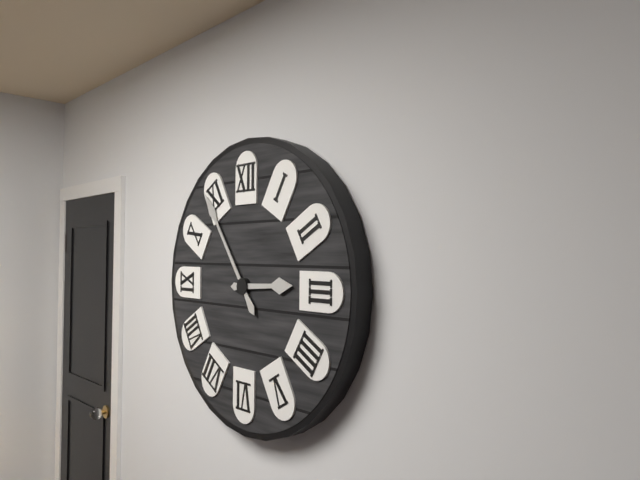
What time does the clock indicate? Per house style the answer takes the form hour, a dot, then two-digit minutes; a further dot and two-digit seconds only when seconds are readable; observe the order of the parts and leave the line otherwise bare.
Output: 2.54
